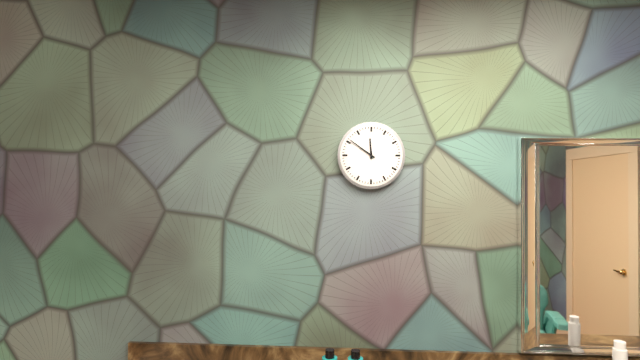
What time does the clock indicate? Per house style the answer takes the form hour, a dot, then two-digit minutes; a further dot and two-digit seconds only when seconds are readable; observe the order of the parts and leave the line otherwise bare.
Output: 11.51
